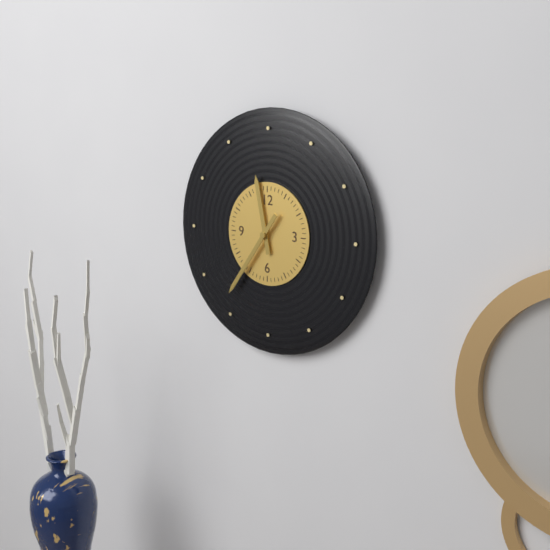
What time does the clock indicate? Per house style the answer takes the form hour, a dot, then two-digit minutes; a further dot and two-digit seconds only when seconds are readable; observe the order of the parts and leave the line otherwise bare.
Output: 11.36
